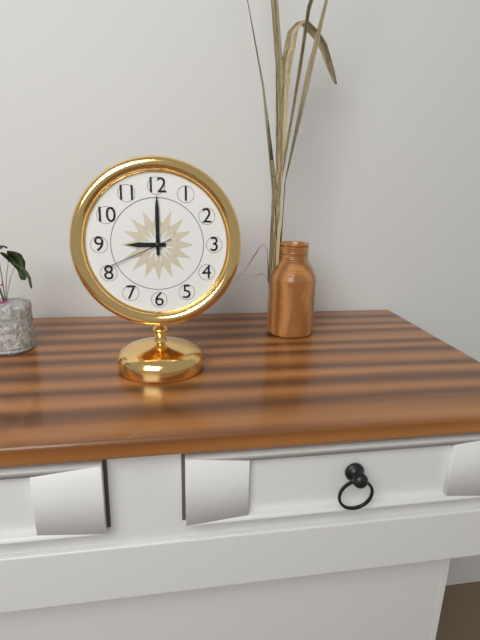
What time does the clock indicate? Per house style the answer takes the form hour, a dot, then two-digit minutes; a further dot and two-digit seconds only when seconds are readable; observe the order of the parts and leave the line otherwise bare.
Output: 9.00.41
